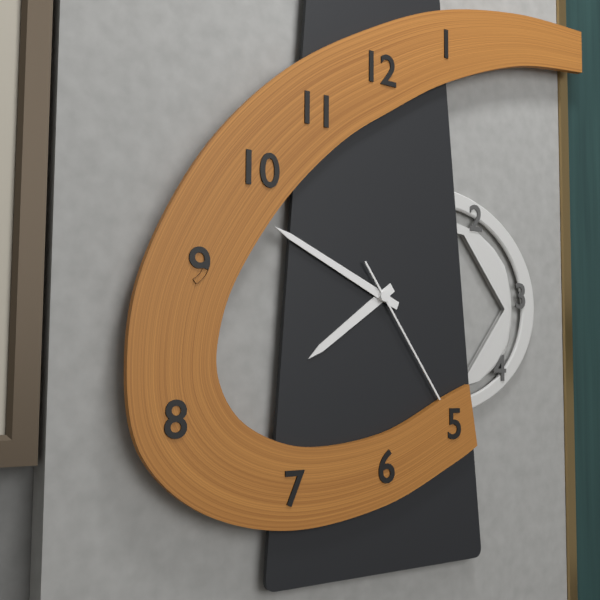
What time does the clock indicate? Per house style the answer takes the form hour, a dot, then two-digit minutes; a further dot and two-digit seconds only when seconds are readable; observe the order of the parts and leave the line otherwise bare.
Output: 7.49.24
